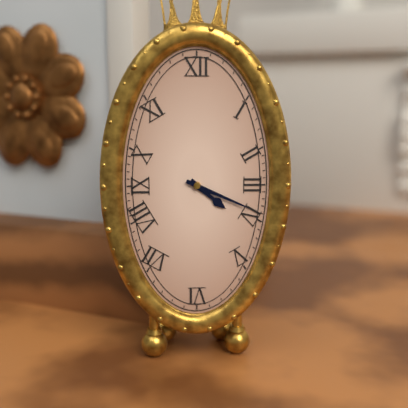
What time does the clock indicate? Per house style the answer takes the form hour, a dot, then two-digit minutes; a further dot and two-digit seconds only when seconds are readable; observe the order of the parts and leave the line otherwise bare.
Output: 4.19
